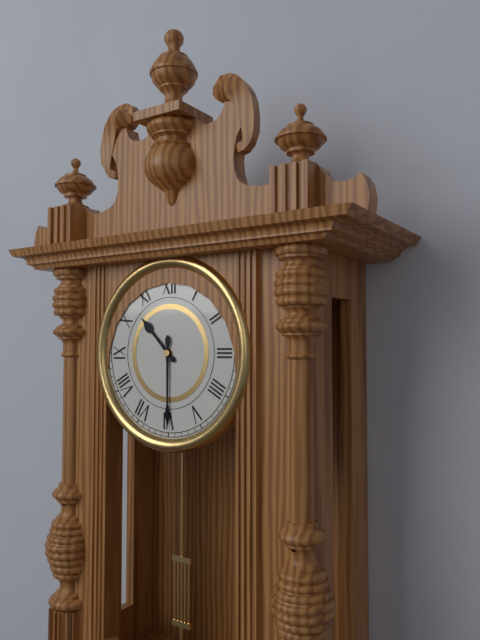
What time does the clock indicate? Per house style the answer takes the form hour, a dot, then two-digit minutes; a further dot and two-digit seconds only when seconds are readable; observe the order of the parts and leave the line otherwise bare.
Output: 10.30
